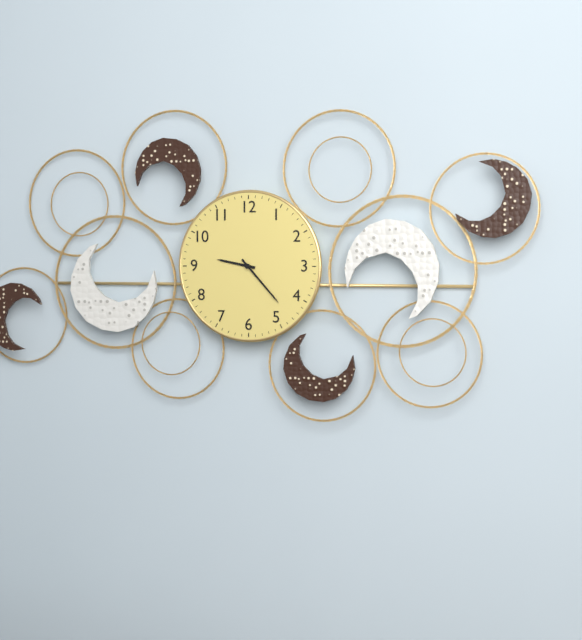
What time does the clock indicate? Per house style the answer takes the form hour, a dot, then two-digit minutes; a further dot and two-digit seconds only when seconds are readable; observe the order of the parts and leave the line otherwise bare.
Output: 9.23
